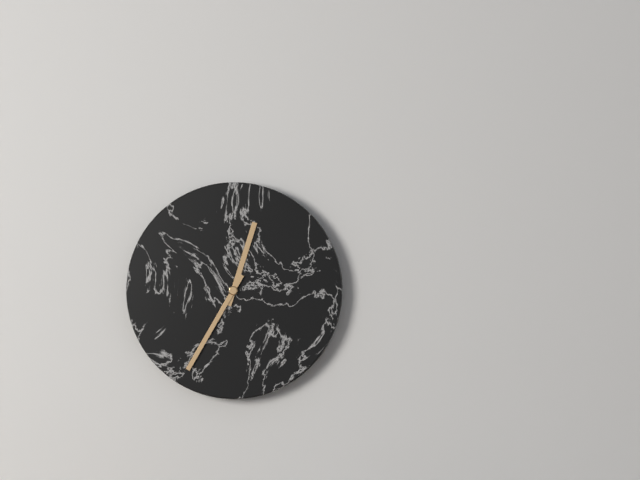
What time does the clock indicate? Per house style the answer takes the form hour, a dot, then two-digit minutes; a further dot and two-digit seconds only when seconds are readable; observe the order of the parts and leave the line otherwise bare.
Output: 12.35
